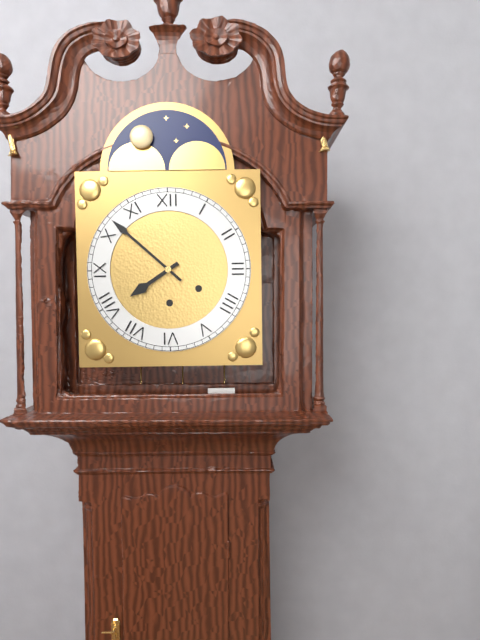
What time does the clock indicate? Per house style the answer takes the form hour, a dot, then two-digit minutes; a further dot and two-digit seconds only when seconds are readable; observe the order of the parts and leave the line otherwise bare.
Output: 7.52
